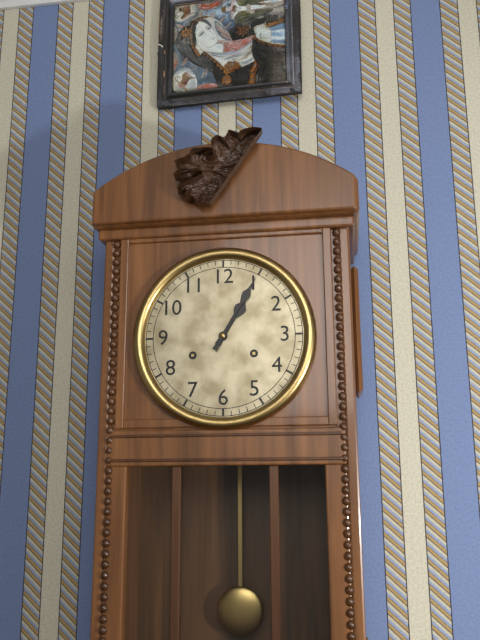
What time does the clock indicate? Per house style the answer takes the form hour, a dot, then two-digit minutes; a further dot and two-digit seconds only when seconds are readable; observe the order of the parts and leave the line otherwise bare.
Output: 1.05
